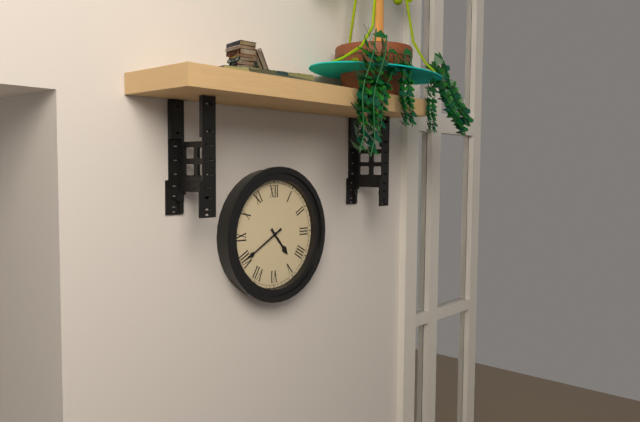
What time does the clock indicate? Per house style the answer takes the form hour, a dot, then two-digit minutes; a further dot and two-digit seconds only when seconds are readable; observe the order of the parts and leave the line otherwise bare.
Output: 4.40
